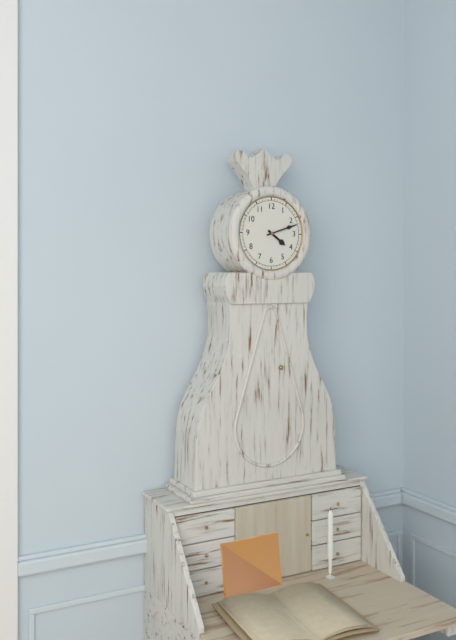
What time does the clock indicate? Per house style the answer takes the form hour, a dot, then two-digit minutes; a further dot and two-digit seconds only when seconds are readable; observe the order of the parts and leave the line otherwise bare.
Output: 4.12
